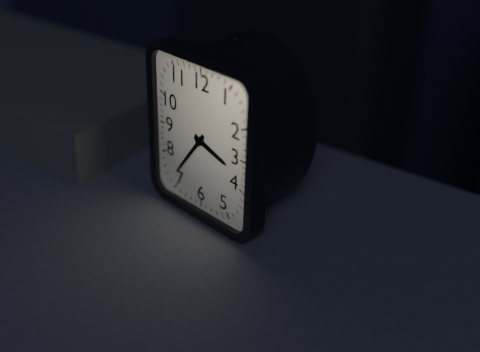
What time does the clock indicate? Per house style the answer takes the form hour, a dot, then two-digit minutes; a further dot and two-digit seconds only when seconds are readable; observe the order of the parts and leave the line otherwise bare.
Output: 3.36
